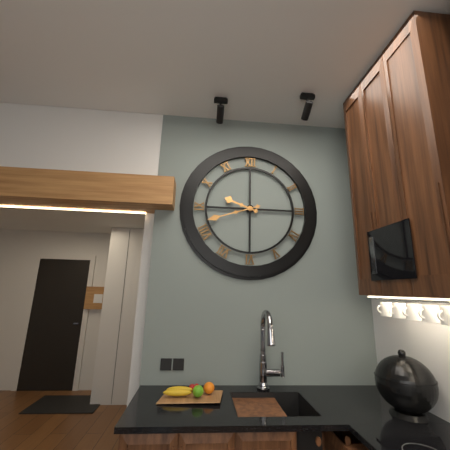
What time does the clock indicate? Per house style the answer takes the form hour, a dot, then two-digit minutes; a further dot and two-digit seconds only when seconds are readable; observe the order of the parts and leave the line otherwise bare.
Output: 9.42
